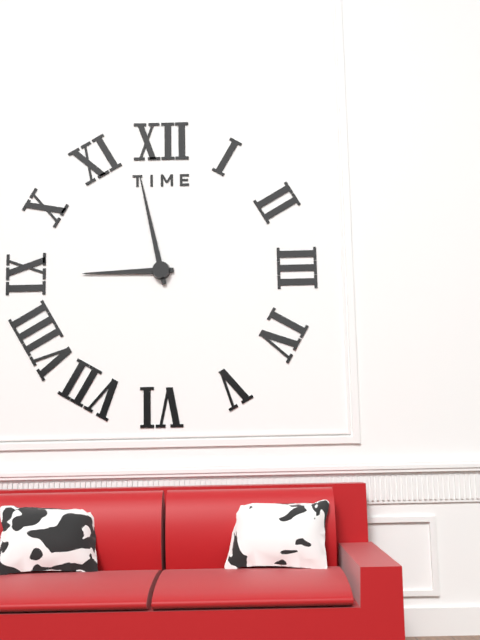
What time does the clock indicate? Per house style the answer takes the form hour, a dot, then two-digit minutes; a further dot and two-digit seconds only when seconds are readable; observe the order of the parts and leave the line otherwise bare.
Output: 8.58
